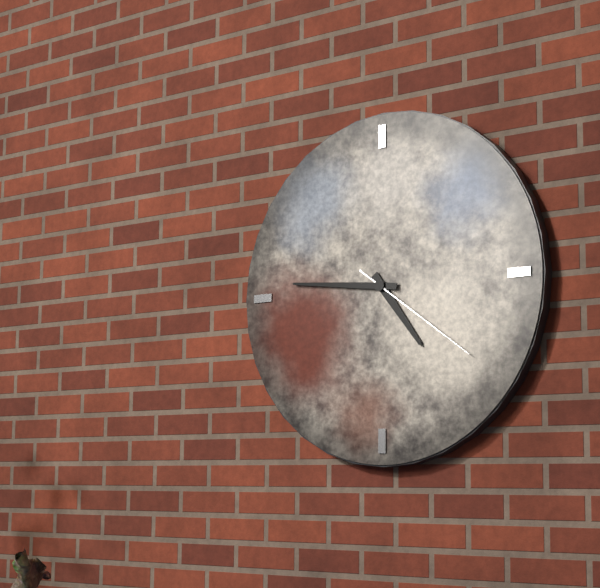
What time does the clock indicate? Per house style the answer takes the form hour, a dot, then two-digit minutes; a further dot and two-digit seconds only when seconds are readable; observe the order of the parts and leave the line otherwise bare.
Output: 4.46.21
